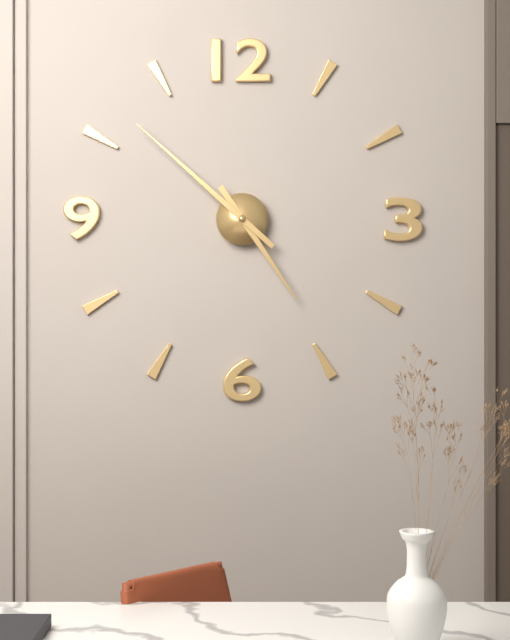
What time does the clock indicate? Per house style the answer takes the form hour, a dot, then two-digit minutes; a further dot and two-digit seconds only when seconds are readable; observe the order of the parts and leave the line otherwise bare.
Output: 4.52
